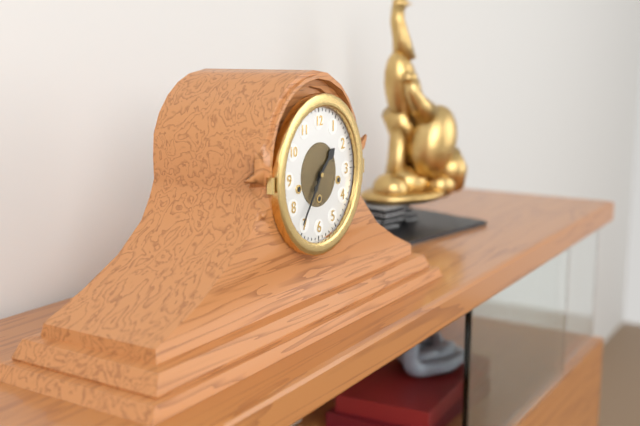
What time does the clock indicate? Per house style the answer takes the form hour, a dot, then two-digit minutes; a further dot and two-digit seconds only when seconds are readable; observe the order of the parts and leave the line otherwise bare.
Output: 1.36
